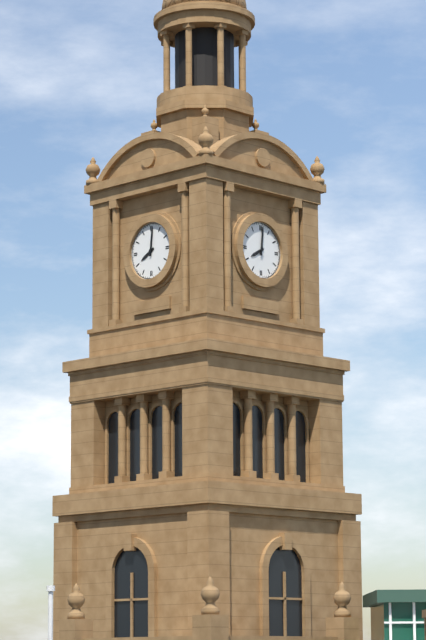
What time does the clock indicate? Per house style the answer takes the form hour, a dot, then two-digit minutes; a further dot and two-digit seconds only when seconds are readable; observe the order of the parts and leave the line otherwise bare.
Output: 8.01
